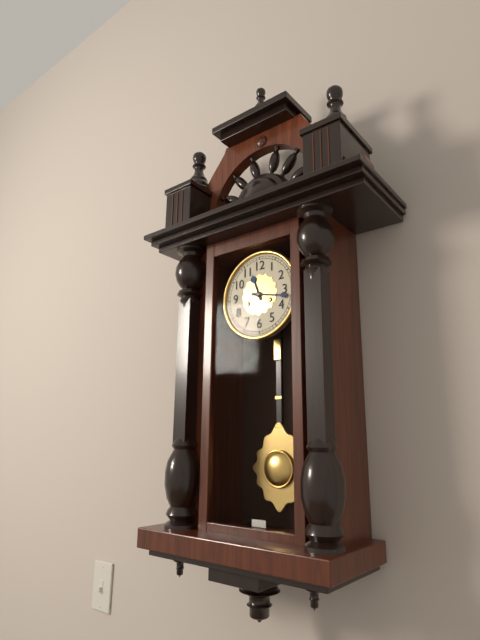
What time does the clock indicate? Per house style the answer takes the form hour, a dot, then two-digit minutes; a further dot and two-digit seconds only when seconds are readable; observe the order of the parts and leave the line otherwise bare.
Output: 11.17
